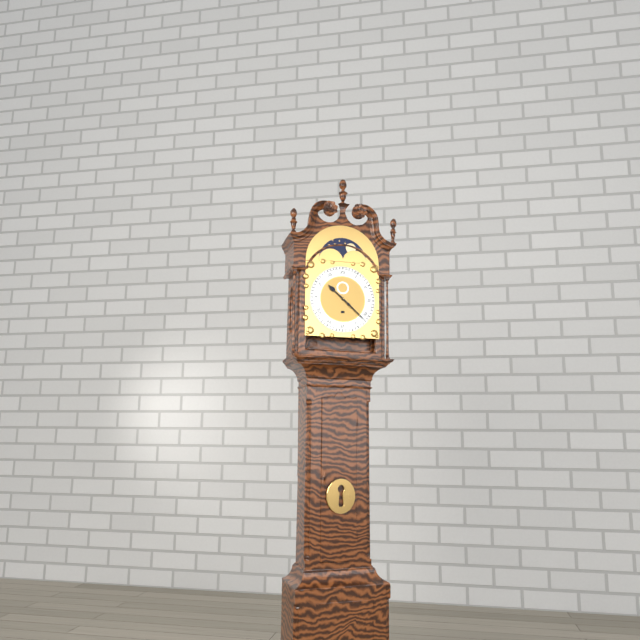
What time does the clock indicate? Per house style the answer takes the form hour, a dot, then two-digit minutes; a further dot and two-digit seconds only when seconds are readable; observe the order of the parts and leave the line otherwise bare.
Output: 10.22
